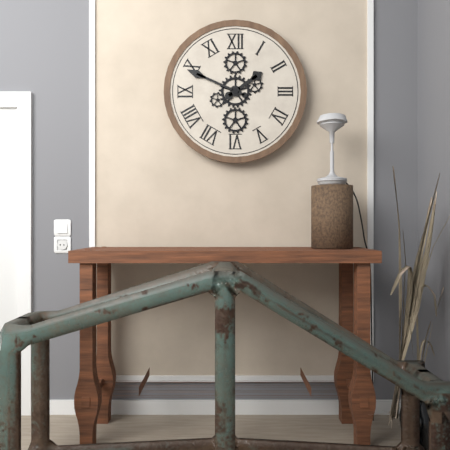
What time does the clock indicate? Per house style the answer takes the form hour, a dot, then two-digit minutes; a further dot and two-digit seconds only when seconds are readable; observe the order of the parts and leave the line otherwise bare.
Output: 1.49
